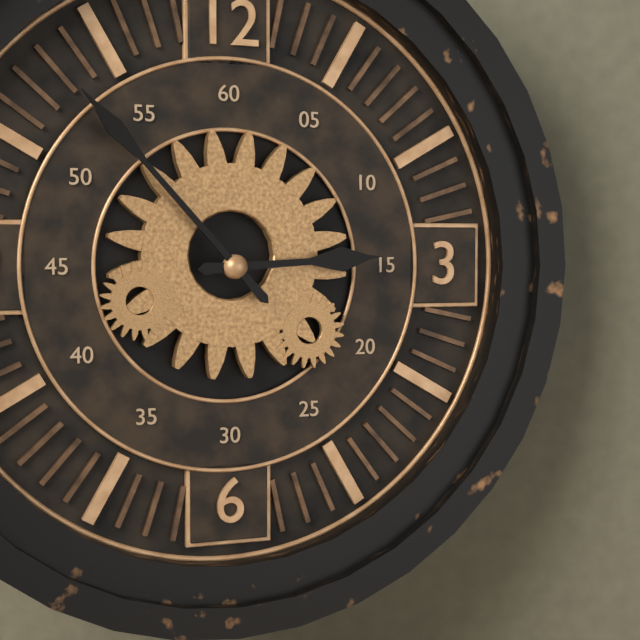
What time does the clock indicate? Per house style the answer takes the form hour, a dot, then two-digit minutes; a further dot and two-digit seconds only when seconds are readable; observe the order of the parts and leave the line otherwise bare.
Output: 2.53
